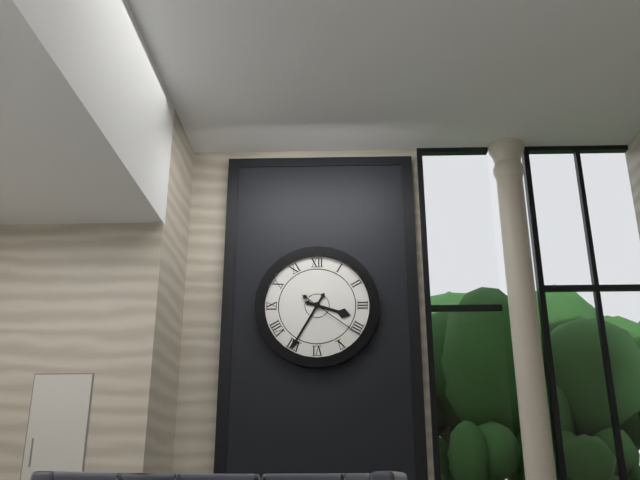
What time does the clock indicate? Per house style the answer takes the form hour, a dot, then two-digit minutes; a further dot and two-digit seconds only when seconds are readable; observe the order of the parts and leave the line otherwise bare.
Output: 3.35.21
